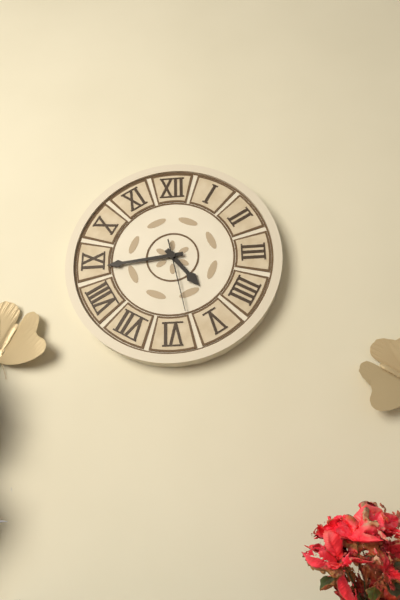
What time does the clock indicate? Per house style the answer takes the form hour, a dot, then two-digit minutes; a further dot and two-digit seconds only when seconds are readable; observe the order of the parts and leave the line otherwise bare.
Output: 4.44.28
